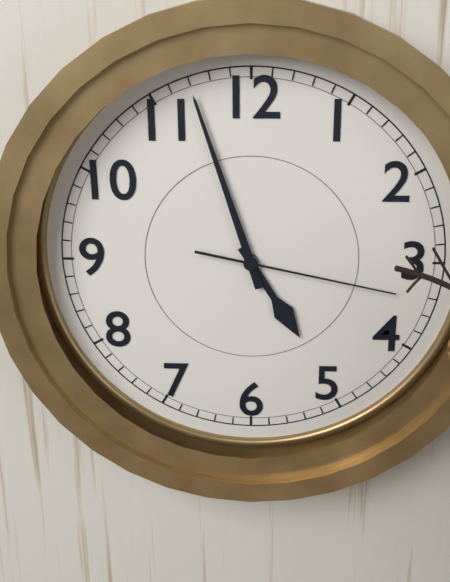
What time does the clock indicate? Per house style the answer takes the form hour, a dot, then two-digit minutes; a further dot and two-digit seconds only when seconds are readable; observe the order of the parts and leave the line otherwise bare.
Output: 4.57.17
